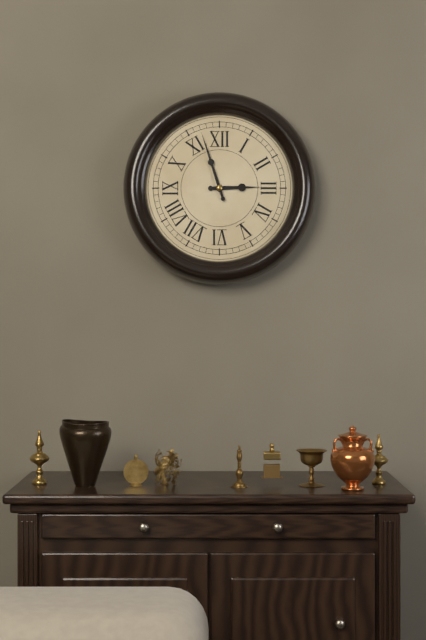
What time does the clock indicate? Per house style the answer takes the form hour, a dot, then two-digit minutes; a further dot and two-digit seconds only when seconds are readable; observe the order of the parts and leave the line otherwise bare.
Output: 2.57
